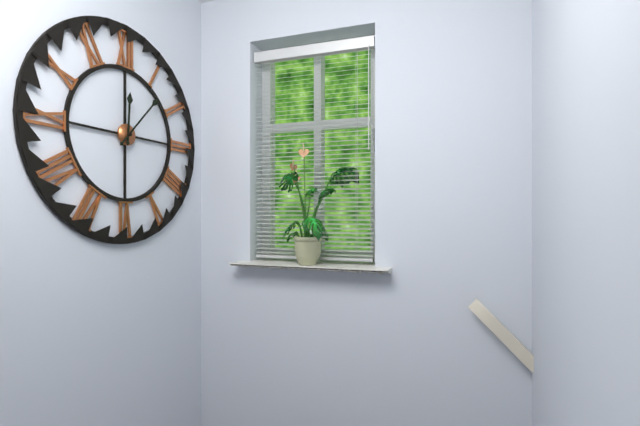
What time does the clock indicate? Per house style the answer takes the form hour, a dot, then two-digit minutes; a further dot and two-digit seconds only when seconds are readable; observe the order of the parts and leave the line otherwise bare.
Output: 12.07
